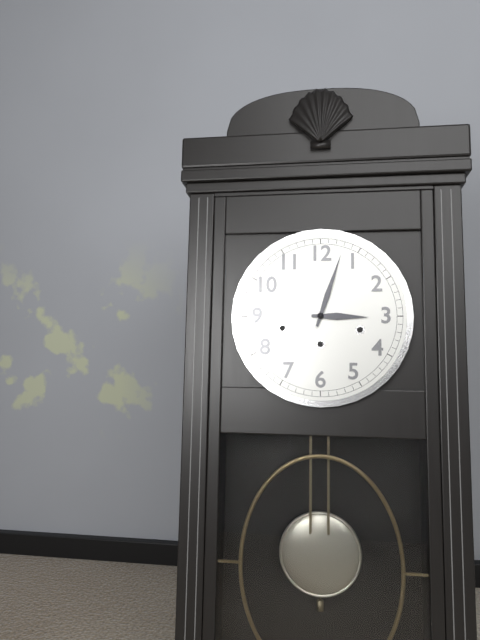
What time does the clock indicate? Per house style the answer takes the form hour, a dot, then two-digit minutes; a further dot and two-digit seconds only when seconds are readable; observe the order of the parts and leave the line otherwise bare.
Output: 3.03
